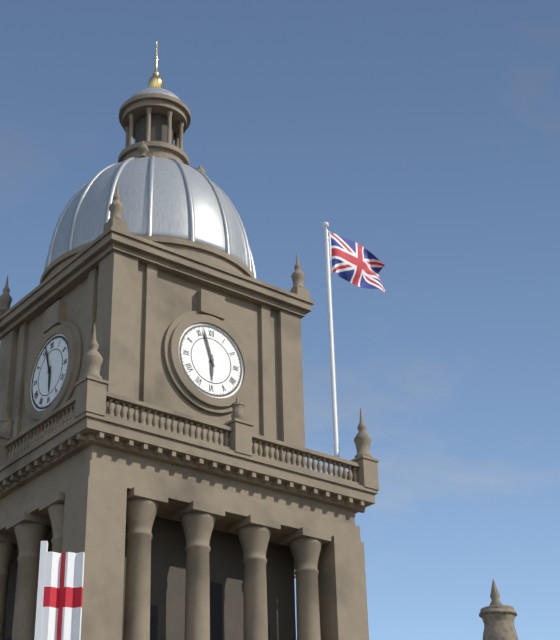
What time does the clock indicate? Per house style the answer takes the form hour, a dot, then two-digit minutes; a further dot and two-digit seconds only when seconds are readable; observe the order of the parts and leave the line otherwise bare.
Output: 5.57
